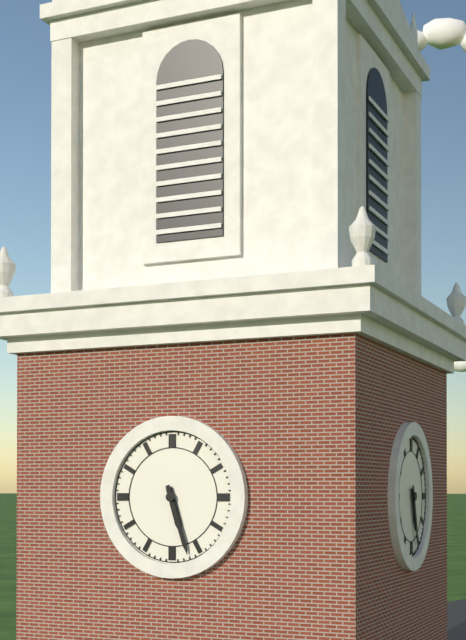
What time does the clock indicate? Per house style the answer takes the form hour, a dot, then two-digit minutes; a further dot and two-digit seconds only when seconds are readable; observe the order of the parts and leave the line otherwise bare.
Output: 5.27
